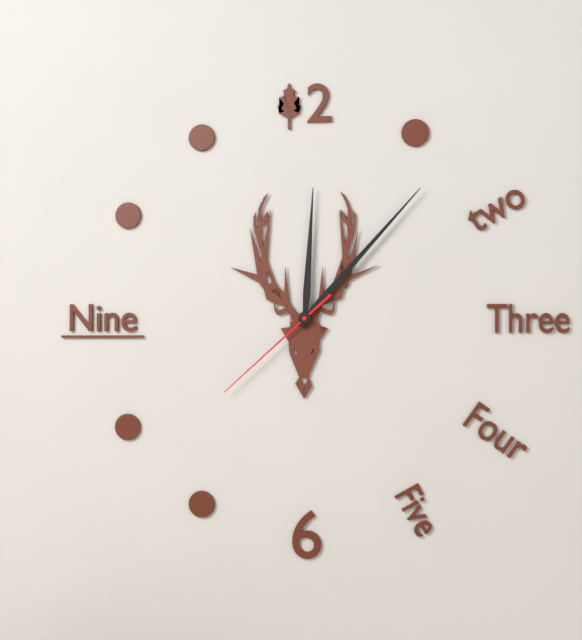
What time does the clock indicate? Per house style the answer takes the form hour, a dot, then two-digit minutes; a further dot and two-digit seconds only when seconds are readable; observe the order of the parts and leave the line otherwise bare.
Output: 12.07.38
